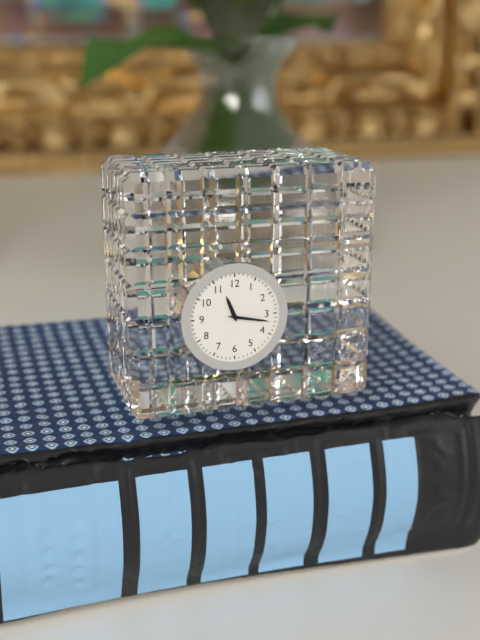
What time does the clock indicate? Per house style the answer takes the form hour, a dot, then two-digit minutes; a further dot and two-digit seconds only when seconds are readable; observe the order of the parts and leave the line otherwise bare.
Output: 11.17
